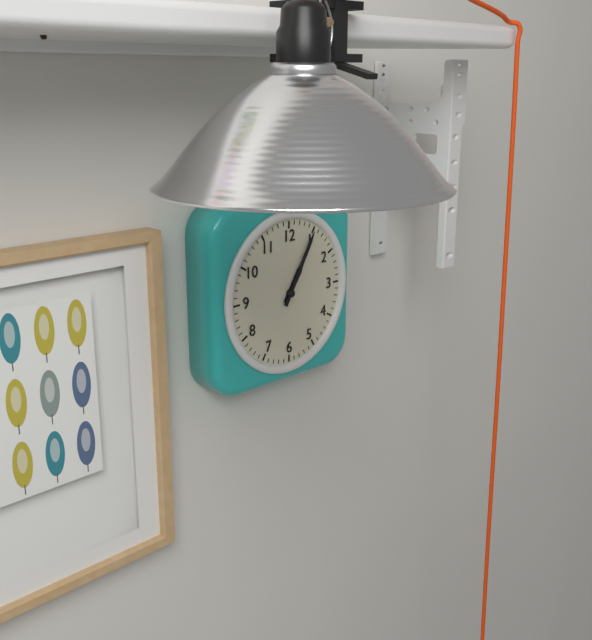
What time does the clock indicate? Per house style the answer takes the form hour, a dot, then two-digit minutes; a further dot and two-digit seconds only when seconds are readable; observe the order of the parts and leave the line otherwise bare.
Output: 1.05
